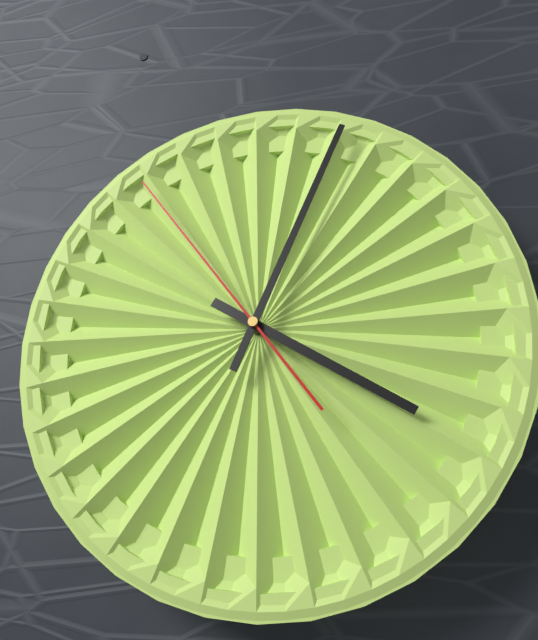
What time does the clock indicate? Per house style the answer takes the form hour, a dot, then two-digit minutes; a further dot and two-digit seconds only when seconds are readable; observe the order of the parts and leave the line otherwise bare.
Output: 4.04.54
